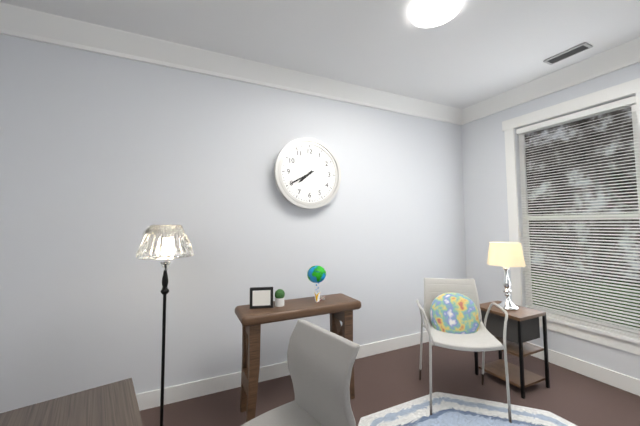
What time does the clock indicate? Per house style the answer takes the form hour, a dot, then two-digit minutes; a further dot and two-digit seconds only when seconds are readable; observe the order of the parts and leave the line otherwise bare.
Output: 7.40
